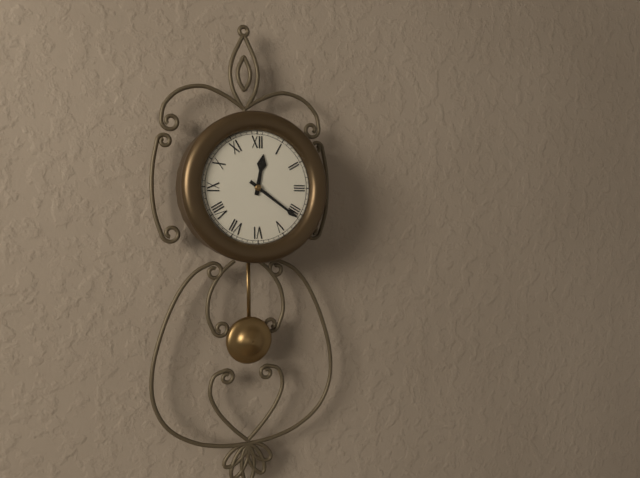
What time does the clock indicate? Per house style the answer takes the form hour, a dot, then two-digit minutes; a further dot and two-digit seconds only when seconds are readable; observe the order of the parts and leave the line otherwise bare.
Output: 12.21
